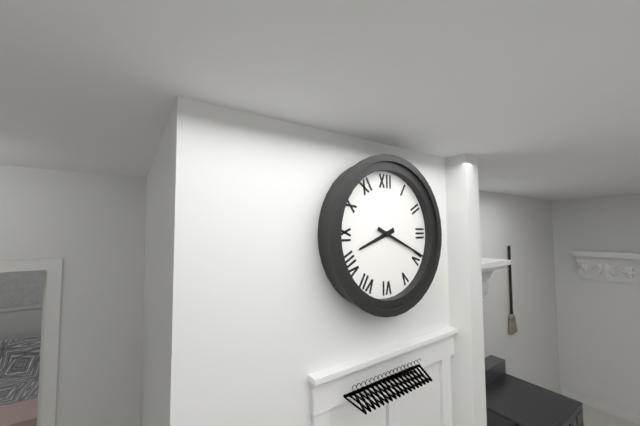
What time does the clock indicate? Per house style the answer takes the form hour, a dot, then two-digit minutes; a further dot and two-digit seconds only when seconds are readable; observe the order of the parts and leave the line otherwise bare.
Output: 8.19
